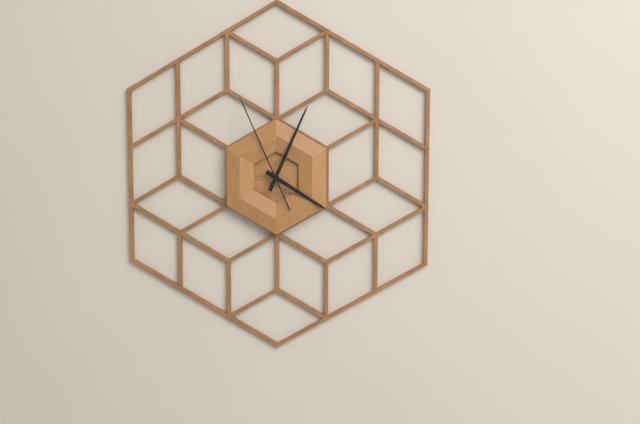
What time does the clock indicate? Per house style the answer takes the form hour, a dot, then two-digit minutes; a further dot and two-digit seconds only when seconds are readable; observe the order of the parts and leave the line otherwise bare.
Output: 4.04.56
